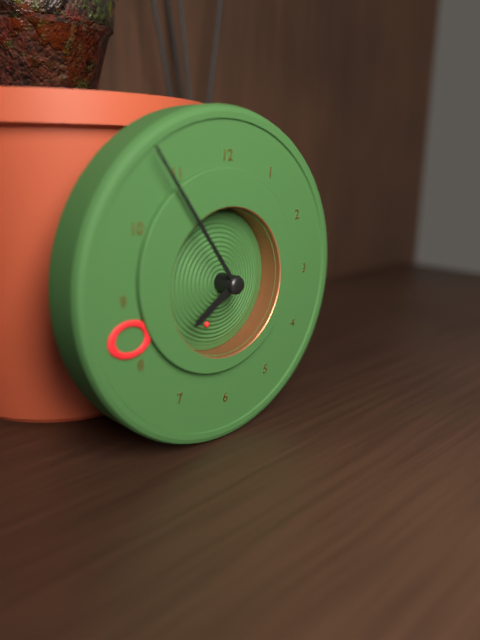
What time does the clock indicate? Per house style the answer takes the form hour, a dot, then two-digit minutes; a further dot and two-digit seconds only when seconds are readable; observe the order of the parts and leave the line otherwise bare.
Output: 7.54.33
